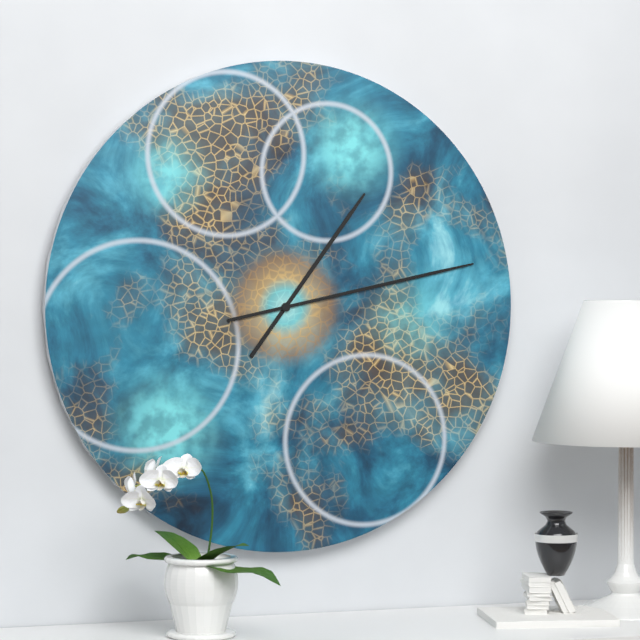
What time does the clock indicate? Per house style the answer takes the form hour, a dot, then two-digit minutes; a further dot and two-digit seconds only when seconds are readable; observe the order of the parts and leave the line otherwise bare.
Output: 1.13
